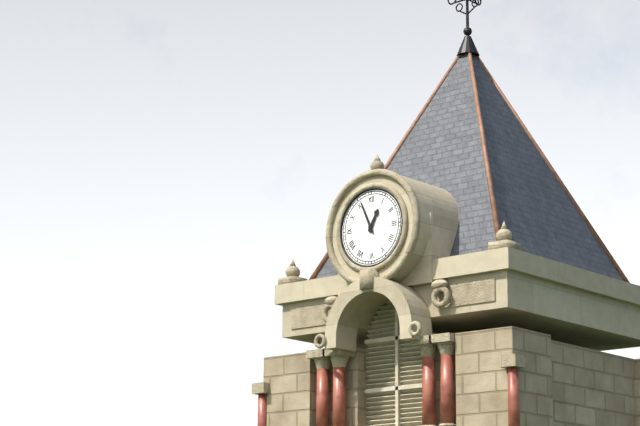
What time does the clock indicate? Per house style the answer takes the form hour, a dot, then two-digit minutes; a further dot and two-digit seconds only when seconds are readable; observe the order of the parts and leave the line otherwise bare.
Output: 12.56
